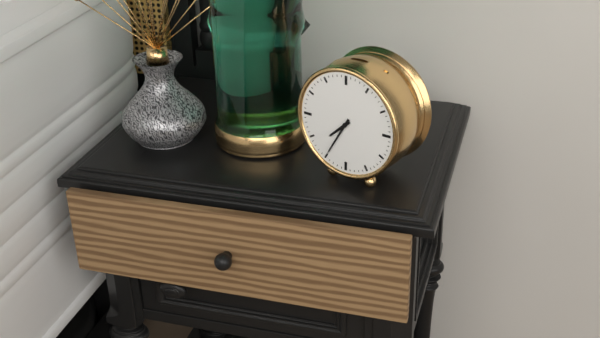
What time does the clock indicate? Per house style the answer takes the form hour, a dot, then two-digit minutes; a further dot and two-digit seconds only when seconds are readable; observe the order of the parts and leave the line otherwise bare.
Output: 7.35
